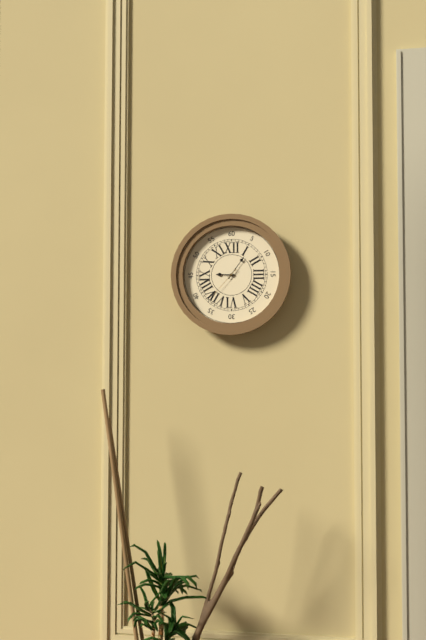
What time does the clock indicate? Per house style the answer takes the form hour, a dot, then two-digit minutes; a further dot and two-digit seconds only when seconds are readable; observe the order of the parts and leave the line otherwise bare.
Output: 9.06
